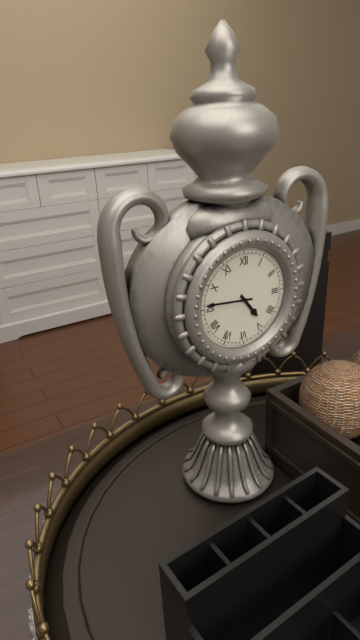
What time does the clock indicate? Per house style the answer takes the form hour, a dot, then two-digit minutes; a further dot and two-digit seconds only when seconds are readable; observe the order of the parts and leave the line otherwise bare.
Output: 4.46
